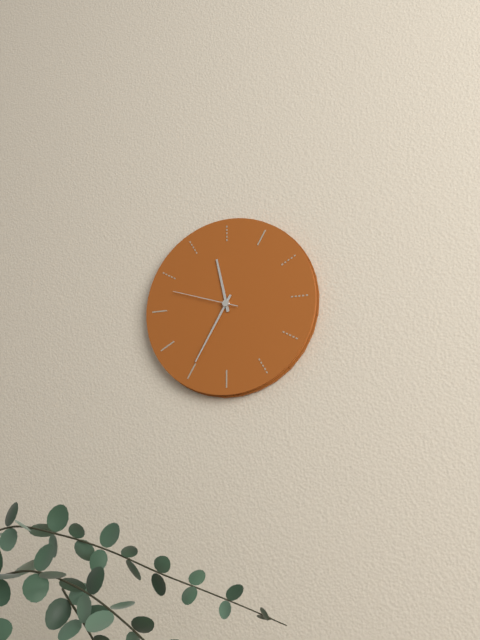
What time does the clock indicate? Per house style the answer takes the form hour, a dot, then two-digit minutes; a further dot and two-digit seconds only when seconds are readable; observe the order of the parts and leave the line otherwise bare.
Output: 11.35.48
